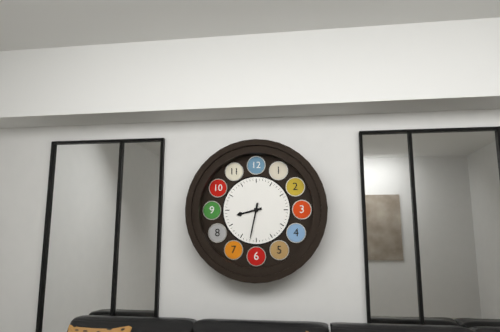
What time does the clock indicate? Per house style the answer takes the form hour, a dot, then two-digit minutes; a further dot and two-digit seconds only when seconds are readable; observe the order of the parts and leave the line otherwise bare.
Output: 8.32
